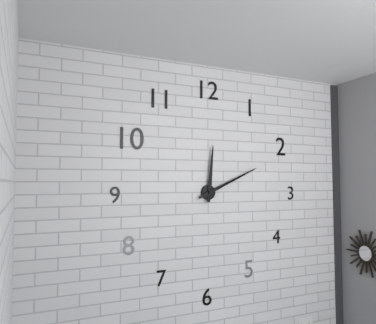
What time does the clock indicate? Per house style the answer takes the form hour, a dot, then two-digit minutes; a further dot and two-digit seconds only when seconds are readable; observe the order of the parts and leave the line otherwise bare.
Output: 12.11
